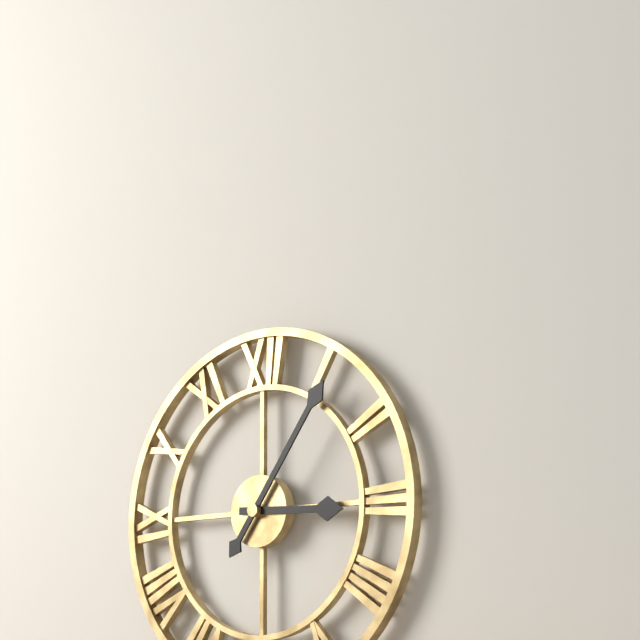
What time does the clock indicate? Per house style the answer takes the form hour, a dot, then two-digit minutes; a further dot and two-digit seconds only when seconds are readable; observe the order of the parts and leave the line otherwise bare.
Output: 3.06
